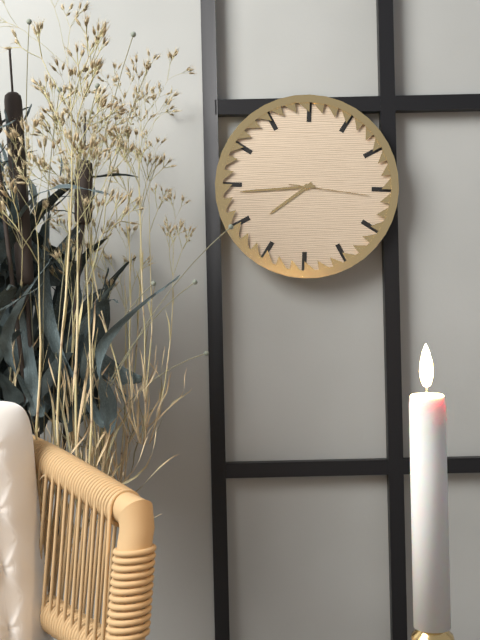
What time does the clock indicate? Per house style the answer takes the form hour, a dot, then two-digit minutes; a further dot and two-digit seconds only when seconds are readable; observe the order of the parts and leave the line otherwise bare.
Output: 7.44.16
